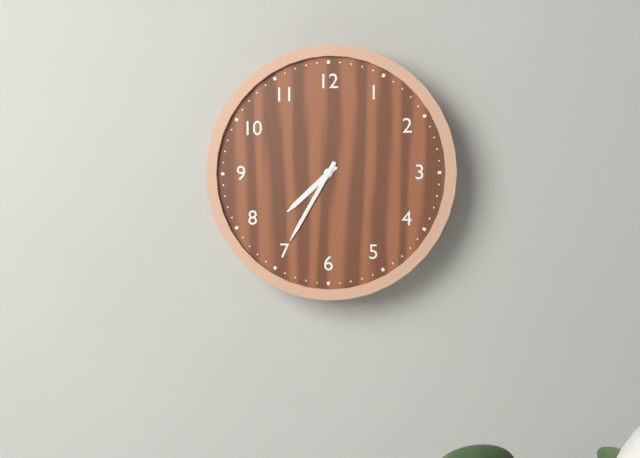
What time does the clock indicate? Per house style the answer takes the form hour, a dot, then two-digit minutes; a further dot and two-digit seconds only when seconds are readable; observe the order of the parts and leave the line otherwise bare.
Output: 7.35
